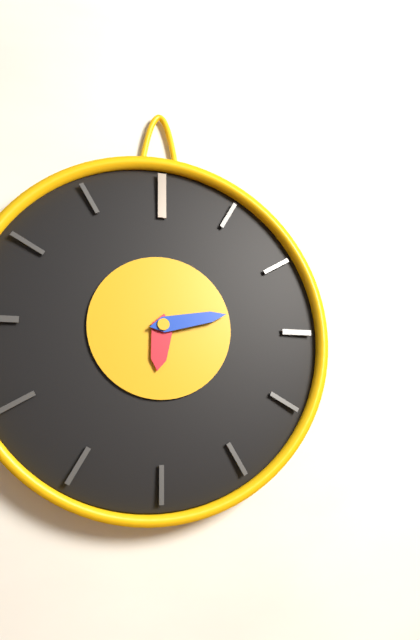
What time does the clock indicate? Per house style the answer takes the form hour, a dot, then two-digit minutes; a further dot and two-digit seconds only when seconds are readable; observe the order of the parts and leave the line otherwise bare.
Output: 6.13
